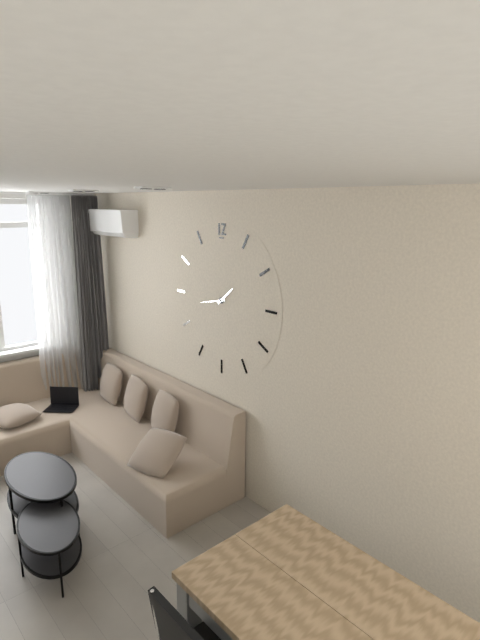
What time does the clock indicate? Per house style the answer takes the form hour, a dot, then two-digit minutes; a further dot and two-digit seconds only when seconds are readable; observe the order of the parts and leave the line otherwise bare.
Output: 1.43
